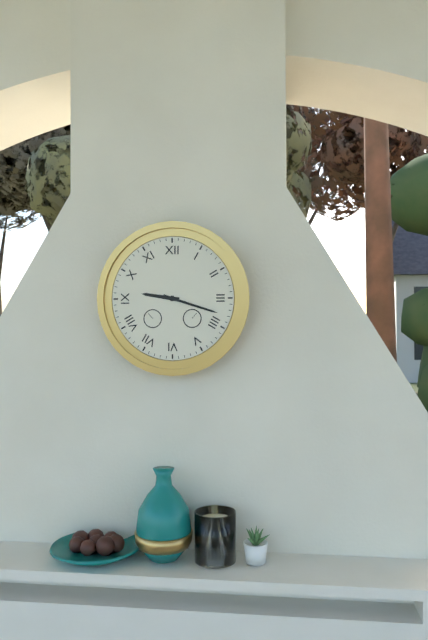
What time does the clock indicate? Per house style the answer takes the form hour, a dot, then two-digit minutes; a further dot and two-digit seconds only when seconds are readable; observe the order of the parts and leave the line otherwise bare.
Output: 9.18
